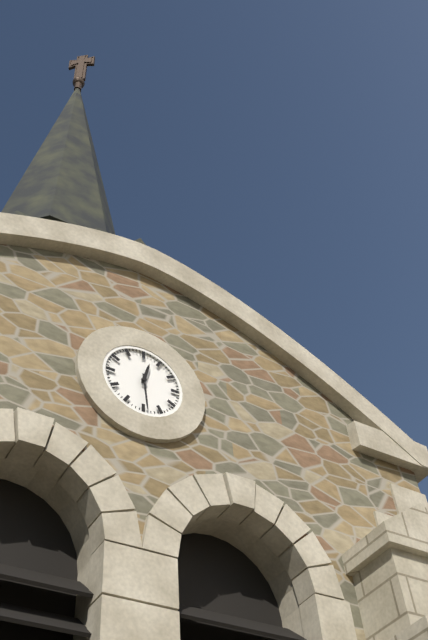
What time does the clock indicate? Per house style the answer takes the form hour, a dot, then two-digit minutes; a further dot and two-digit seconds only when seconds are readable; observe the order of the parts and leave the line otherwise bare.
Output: 12.29
